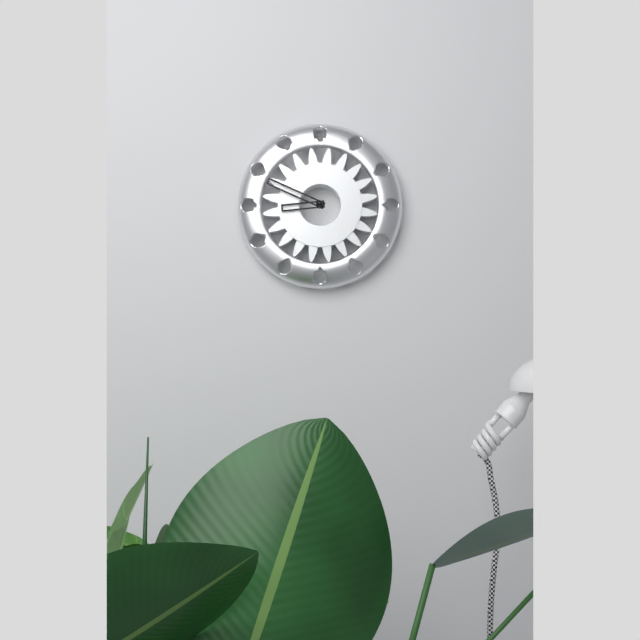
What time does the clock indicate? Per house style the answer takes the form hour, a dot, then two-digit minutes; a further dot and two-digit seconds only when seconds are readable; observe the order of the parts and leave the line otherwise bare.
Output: 8.49
